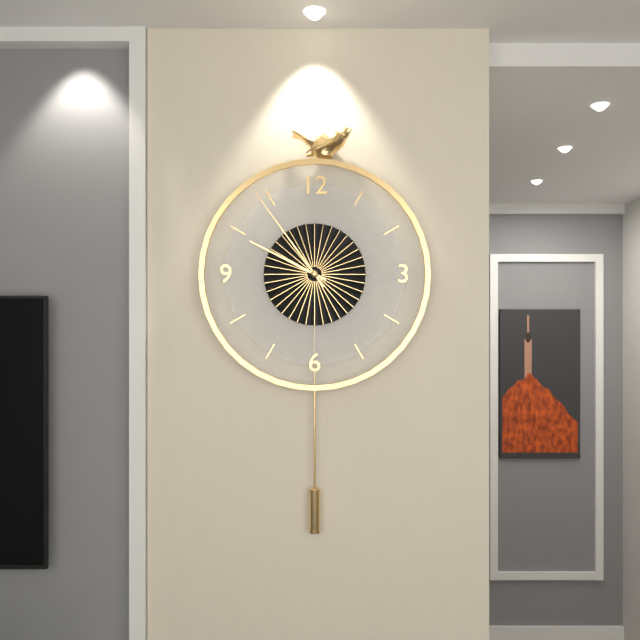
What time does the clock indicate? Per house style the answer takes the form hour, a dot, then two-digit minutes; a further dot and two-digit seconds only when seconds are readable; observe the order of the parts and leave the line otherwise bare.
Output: 9.54
